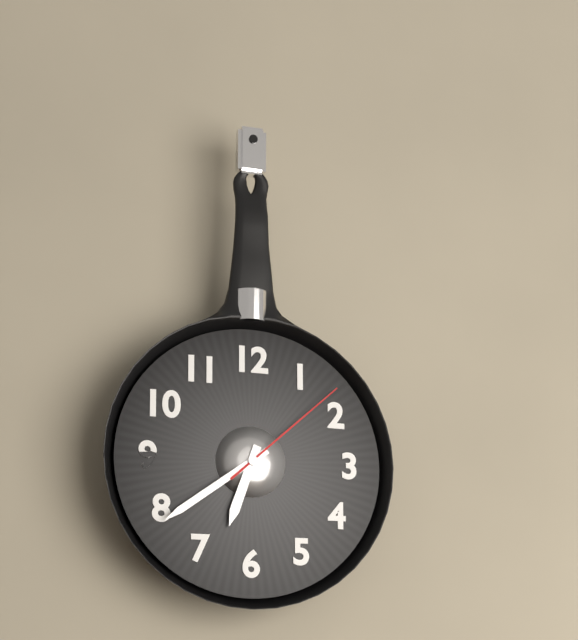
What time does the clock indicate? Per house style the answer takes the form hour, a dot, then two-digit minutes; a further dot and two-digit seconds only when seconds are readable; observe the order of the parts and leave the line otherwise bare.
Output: 6.39.08
